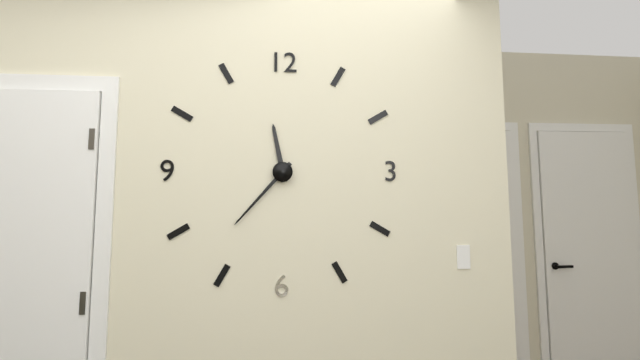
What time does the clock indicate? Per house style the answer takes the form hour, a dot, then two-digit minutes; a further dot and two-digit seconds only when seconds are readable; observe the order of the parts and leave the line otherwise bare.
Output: 11.37
